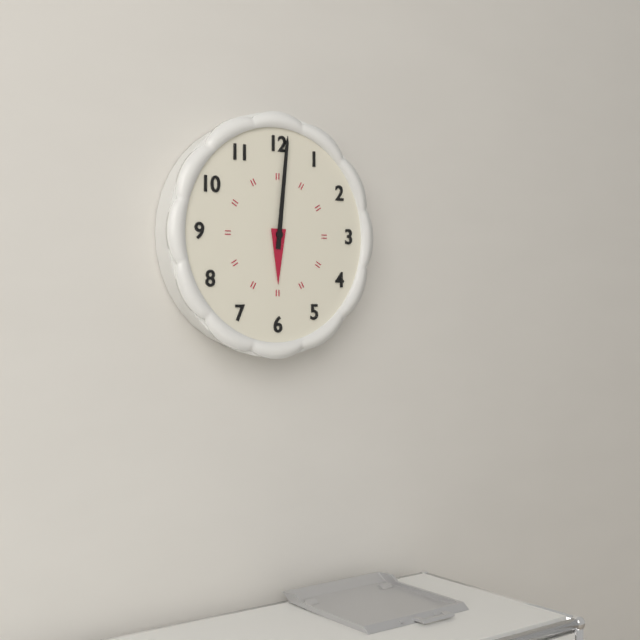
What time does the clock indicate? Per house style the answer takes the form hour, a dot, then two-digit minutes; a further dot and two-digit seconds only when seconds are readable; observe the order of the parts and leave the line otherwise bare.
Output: 6.01
